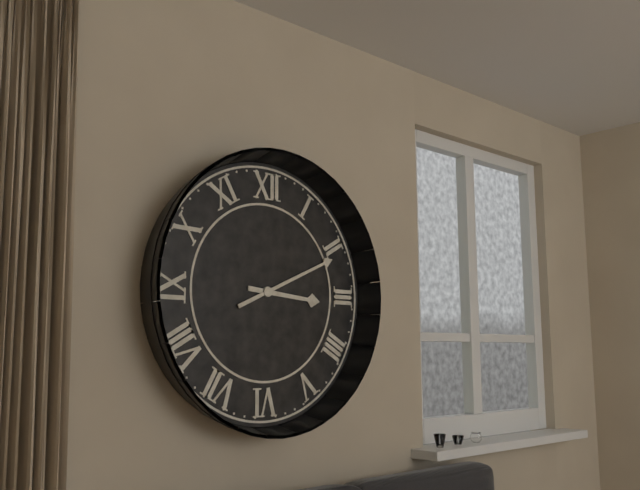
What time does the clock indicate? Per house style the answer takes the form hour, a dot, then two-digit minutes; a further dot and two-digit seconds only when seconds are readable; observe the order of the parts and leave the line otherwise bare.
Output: 3.11
